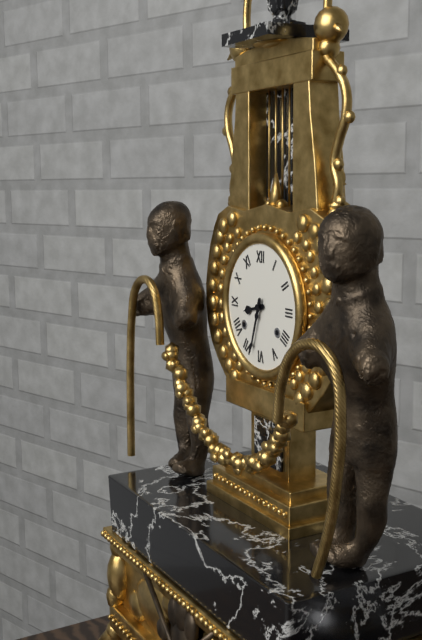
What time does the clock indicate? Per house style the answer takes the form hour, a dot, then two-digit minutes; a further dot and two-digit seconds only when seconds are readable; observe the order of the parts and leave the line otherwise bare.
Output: 8.33
